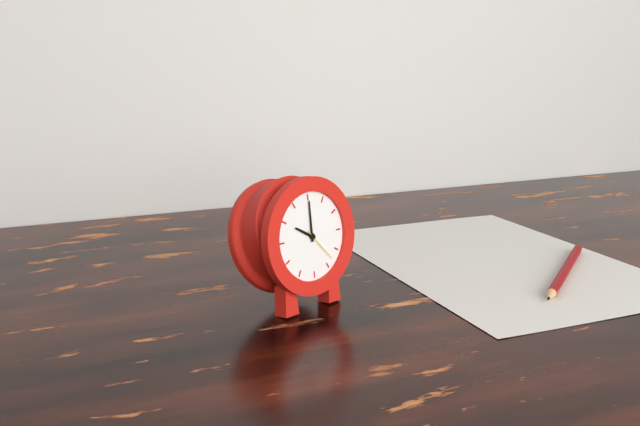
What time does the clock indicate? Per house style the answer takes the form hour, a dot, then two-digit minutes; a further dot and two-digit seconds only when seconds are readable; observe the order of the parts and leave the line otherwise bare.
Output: 10.00
